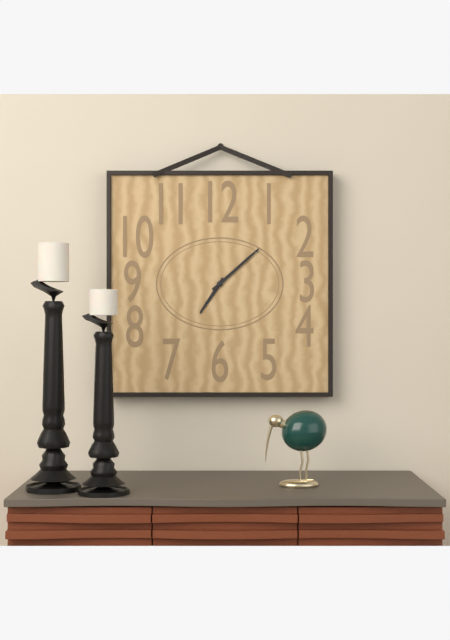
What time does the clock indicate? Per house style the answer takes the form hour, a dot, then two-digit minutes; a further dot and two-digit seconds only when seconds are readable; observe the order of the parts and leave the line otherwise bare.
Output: 7.08
